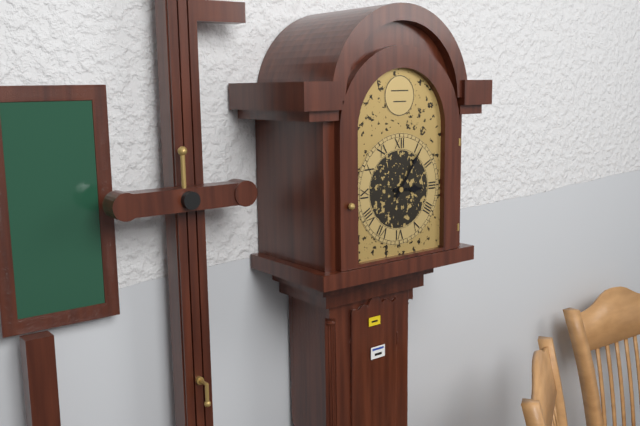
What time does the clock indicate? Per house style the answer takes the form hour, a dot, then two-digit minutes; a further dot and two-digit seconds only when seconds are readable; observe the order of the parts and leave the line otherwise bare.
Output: 3.06
